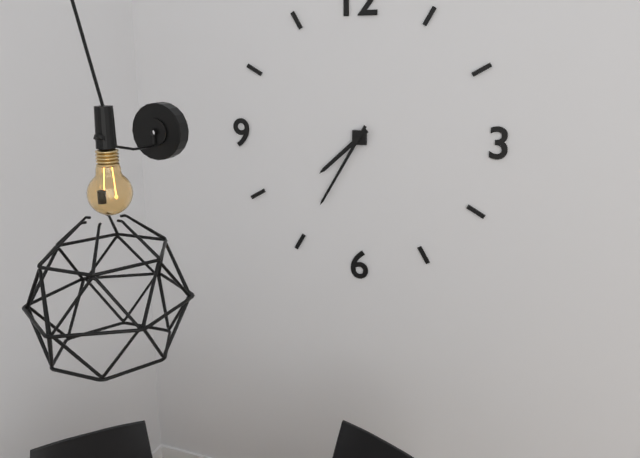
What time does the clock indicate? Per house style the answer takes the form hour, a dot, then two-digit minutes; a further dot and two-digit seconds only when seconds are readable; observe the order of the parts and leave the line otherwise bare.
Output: 7.35
